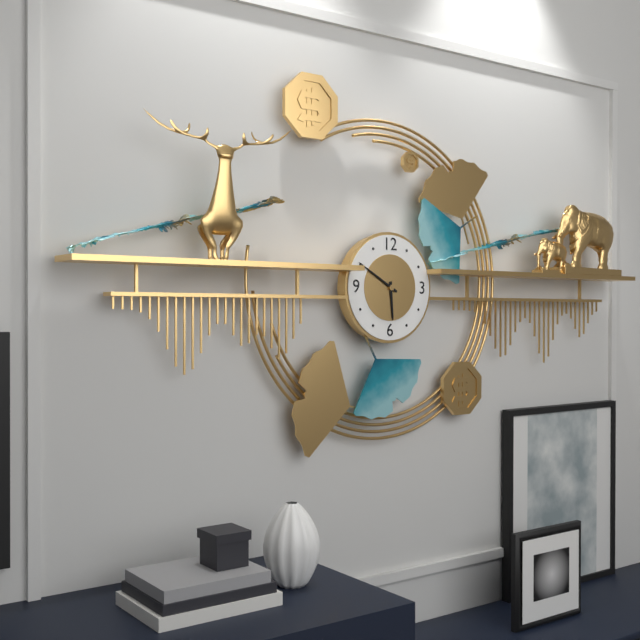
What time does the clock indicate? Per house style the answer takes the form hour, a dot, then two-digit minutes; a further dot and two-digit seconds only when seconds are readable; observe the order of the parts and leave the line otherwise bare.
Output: 5.50
